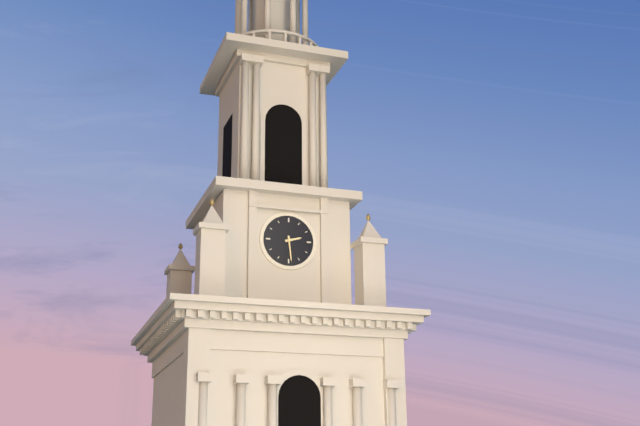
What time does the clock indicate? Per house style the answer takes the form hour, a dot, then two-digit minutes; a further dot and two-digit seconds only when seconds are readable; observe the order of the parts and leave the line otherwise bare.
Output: 2.29
